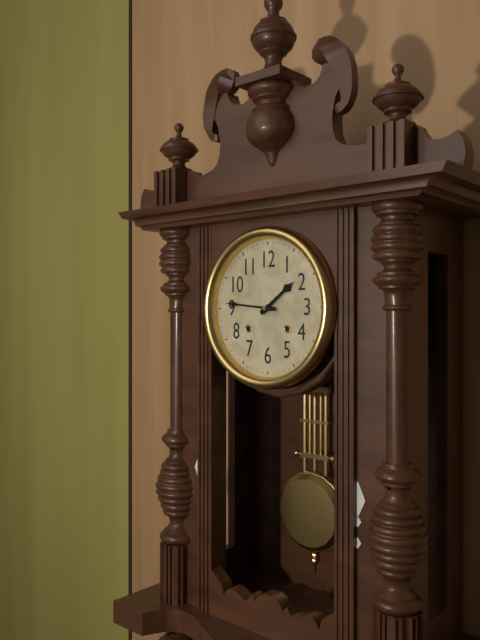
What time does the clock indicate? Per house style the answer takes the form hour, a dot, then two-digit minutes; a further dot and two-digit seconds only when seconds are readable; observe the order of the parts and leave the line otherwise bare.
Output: 1.46
